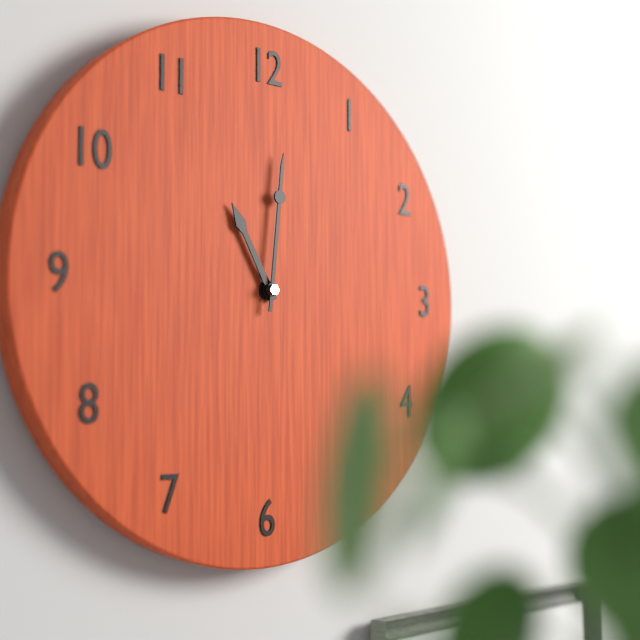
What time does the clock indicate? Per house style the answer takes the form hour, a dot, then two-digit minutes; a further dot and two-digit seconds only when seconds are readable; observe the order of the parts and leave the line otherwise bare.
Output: 11.01
